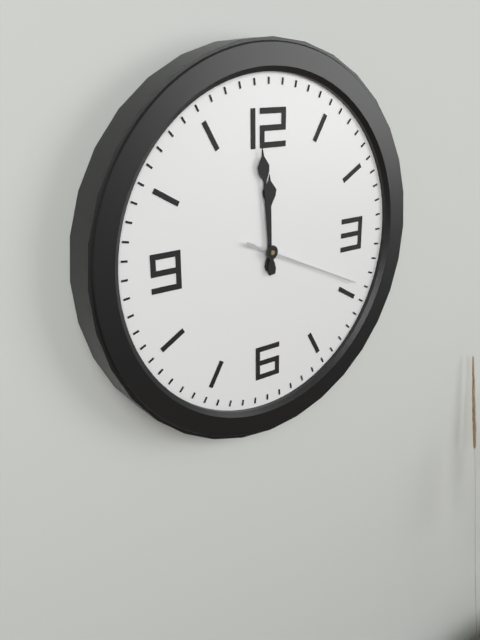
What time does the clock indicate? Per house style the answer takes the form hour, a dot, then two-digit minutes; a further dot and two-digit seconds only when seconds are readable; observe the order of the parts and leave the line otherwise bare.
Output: 11.59.19
